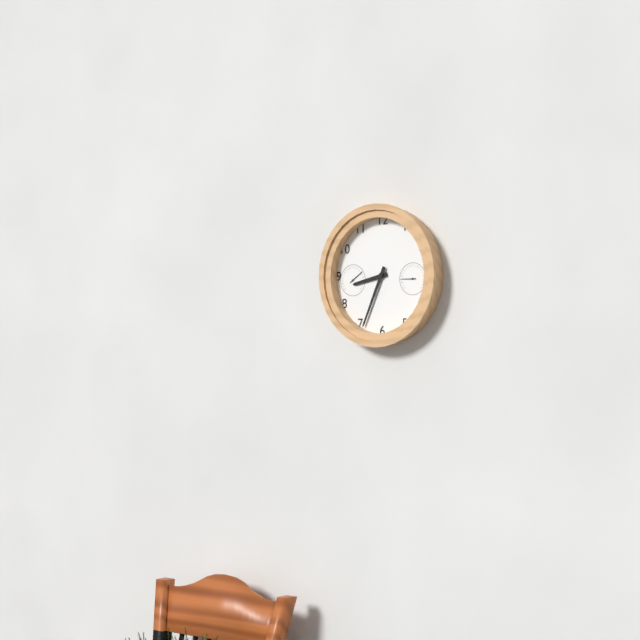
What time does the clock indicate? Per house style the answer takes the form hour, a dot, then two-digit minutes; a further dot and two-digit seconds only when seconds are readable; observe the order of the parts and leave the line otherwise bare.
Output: 8.34
